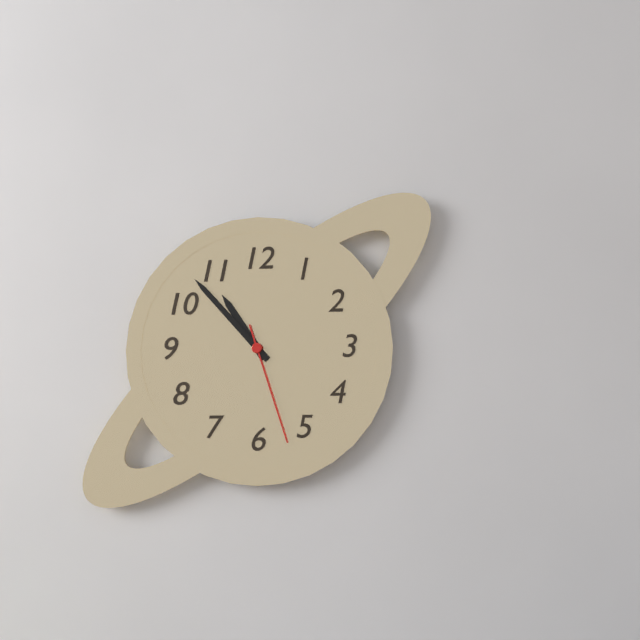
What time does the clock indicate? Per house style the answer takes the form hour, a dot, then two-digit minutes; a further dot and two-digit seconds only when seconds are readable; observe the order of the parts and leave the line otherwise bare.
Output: 10.53.27
